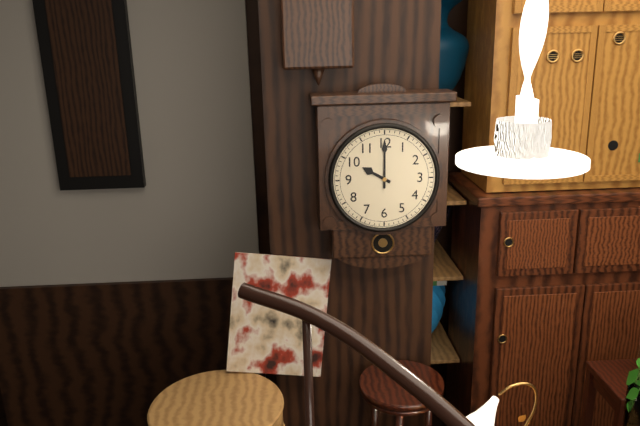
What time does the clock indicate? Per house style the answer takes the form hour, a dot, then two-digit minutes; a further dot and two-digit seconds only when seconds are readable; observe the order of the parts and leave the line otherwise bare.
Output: 10.00
